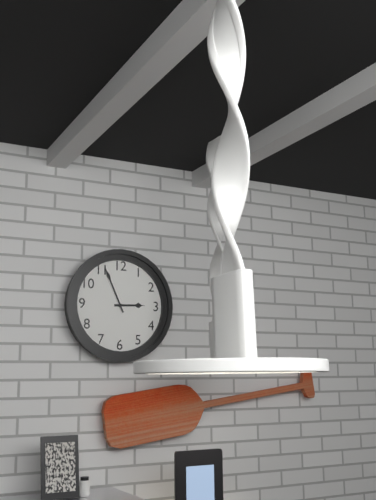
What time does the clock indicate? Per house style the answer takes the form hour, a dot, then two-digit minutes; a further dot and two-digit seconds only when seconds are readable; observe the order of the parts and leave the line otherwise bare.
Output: 2.56
